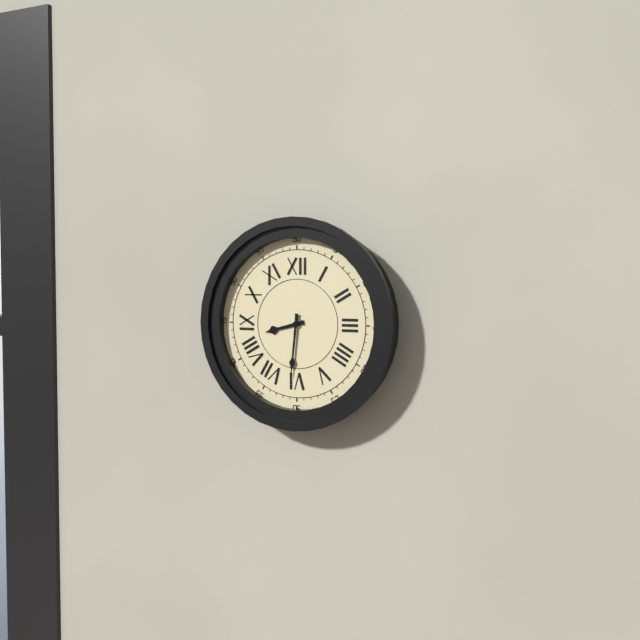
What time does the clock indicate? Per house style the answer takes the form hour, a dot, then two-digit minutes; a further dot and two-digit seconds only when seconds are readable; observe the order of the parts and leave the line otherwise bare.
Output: 8.31
